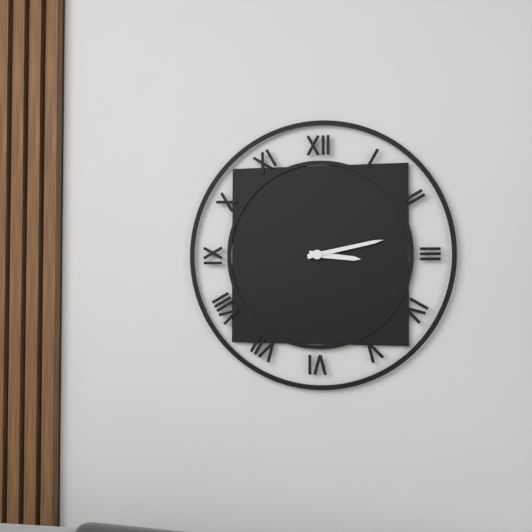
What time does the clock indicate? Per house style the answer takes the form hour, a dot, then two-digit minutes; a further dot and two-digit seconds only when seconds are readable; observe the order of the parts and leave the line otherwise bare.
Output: 3.13
